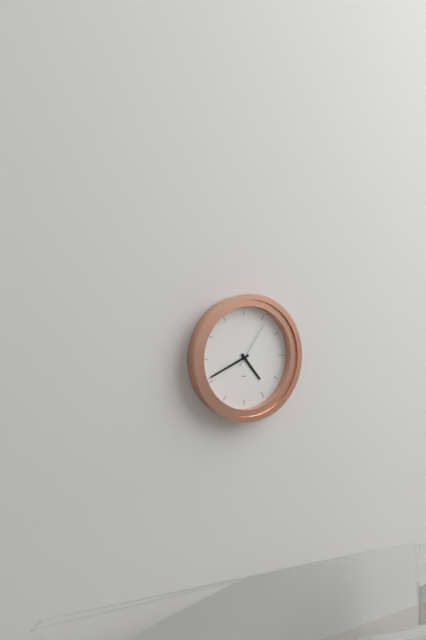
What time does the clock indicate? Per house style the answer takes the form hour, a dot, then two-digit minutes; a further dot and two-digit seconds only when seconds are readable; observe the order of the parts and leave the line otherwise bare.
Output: 4.41
